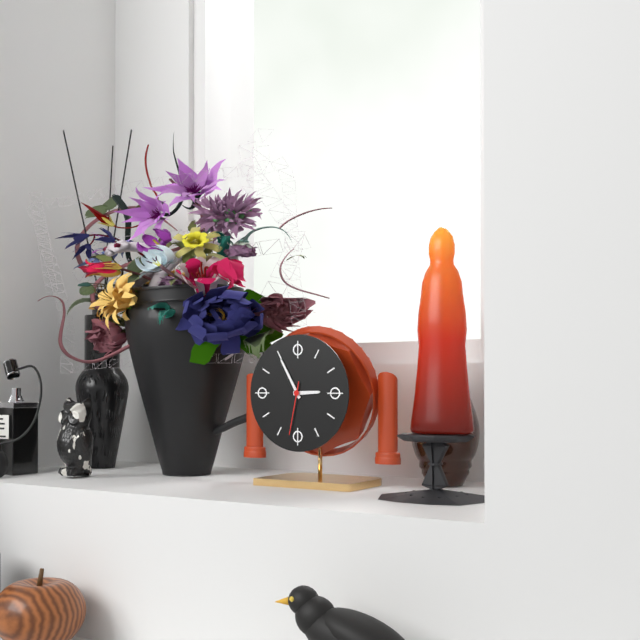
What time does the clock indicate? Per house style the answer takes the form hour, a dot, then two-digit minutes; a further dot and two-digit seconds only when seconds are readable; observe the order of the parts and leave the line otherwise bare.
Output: 2.55.32
